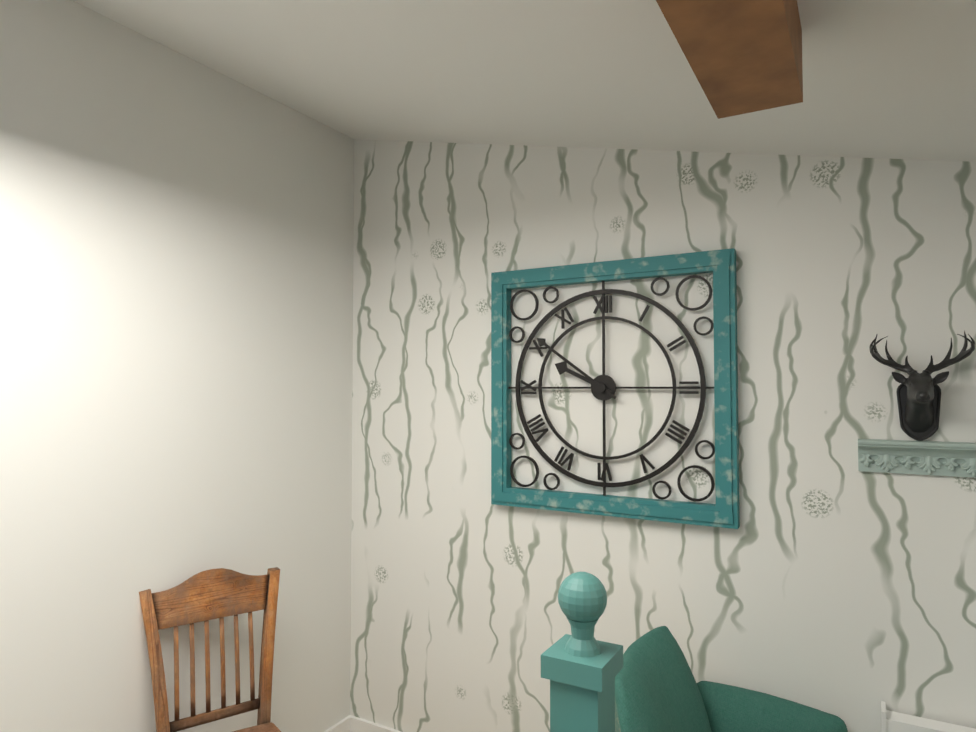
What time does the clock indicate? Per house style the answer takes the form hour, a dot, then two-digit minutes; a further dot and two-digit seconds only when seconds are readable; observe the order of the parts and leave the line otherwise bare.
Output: 9.51
